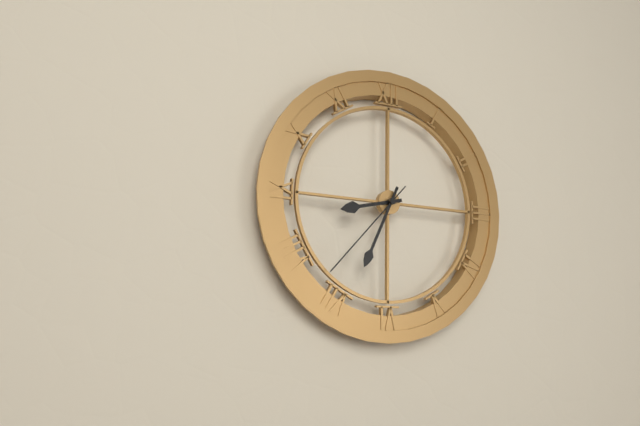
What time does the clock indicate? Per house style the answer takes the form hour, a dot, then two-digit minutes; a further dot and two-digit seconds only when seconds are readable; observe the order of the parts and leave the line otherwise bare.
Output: 8.34.37
